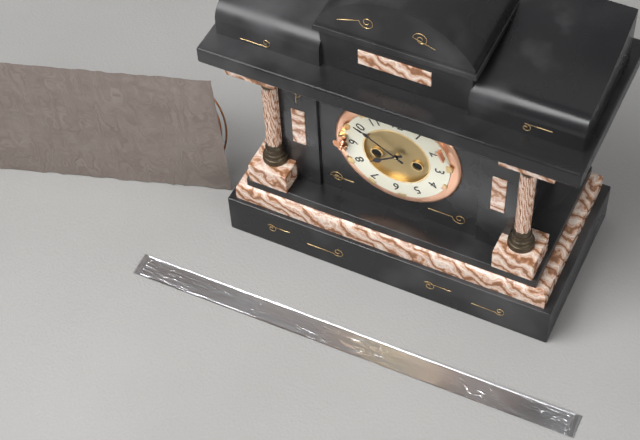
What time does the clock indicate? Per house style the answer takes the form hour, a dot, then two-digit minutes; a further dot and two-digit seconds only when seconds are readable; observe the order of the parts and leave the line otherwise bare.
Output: 7.50
